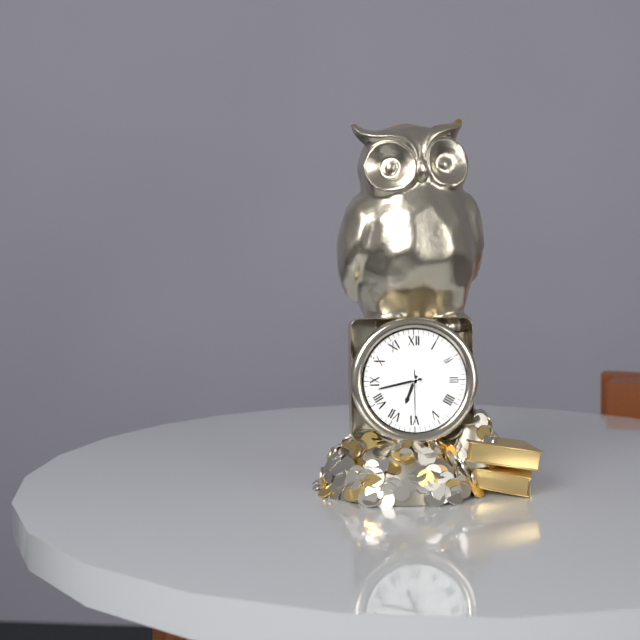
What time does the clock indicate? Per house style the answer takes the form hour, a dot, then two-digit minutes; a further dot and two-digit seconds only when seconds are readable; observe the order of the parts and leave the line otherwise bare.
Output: 6.43.30
